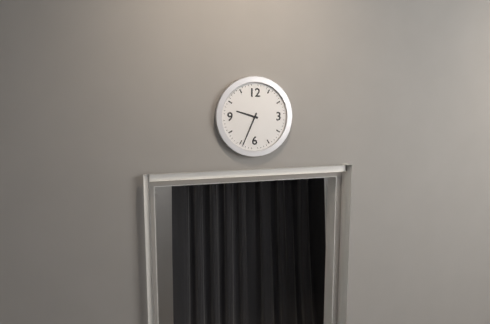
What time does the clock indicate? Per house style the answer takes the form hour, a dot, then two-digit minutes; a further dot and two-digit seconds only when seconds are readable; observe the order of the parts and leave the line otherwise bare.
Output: 9.34
